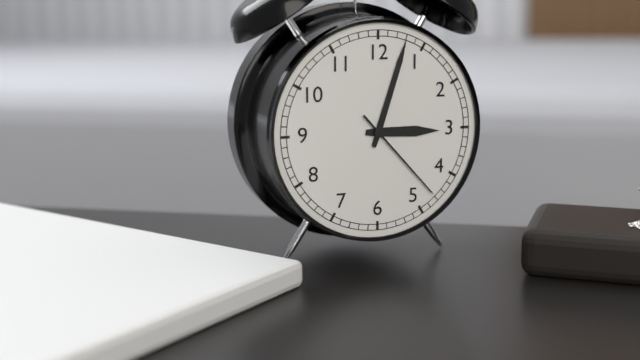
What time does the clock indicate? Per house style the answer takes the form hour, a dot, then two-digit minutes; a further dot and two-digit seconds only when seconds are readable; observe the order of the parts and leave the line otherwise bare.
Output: 3.03.23
